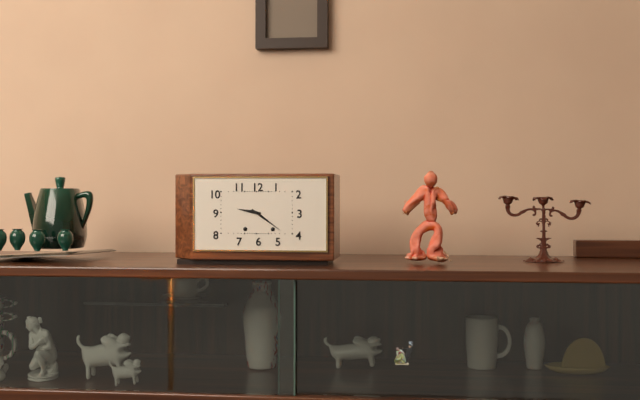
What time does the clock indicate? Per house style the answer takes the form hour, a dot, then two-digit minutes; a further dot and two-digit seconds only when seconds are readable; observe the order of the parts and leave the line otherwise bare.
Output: 9.21
